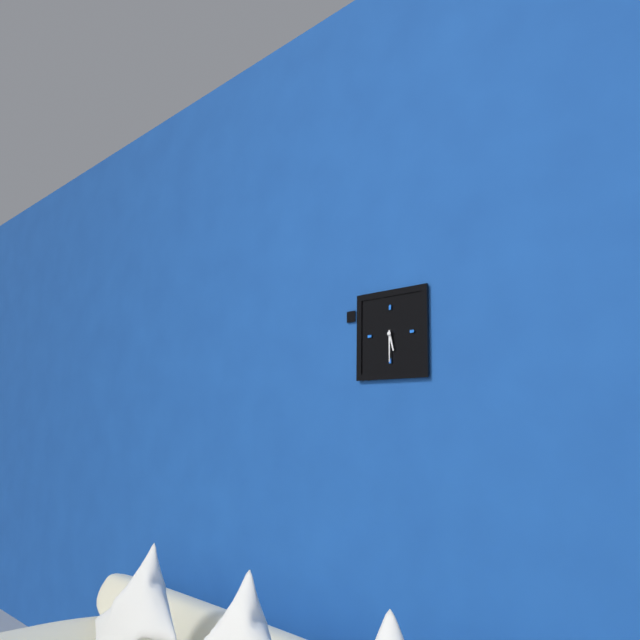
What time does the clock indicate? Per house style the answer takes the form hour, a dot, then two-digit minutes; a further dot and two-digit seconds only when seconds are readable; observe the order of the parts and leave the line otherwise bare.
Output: 5.30
